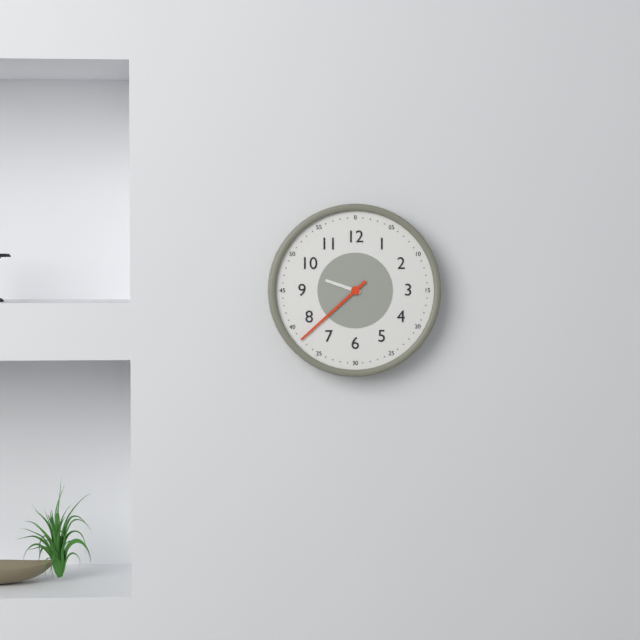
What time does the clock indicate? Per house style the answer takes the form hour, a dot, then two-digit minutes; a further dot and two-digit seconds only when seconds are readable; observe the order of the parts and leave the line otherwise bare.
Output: 9.38
